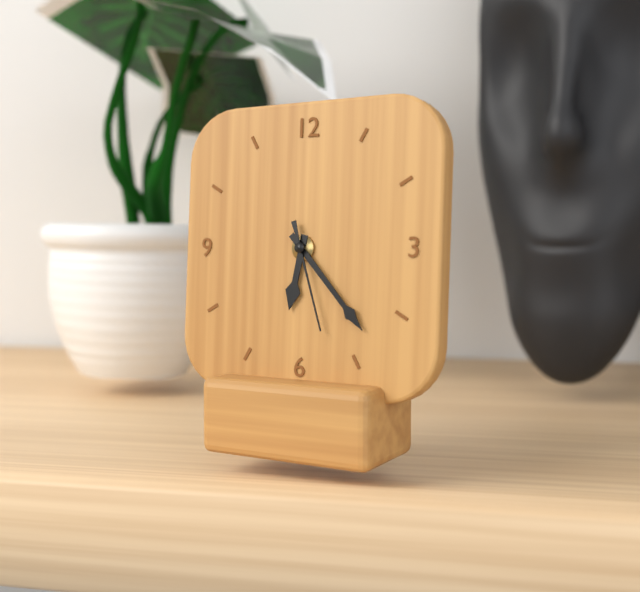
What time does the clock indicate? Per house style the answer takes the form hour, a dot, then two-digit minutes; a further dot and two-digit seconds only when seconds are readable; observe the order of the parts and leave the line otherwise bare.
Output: 6.23.27
